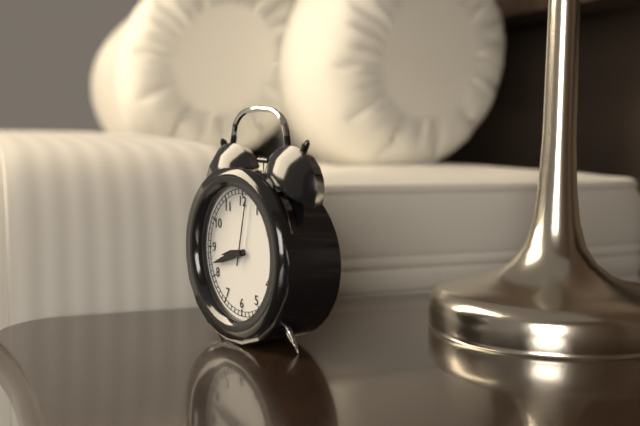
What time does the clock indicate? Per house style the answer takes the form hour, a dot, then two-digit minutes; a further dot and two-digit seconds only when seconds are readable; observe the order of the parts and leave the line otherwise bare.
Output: 8.42.02
